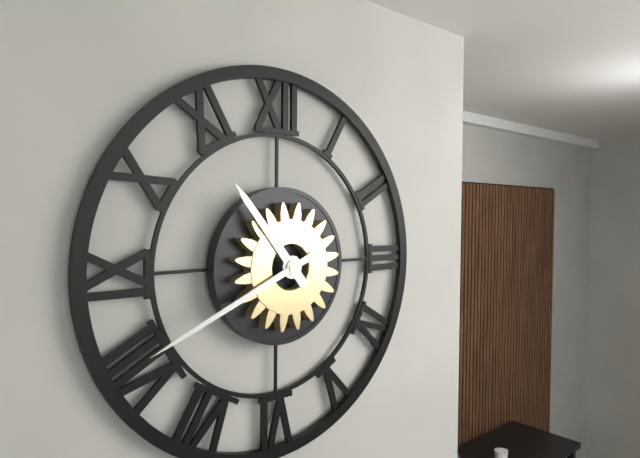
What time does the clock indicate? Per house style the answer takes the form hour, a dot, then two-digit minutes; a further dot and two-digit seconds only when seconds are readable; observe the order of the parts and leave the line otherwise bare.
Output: 10.41
